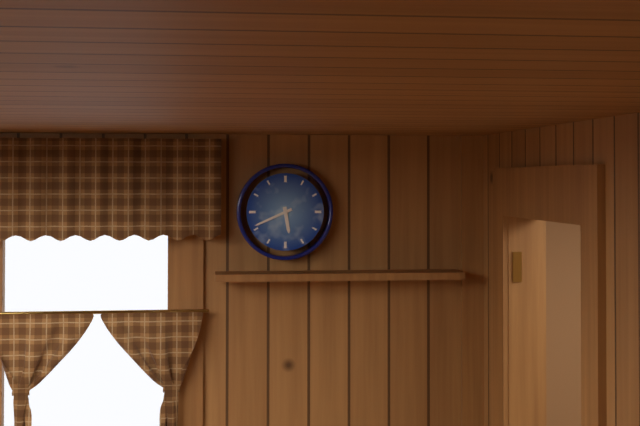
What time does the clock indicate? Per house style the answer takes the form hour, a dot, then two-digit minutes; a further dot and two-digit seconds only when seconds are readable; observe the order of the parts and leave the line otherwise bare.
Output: 5.41
